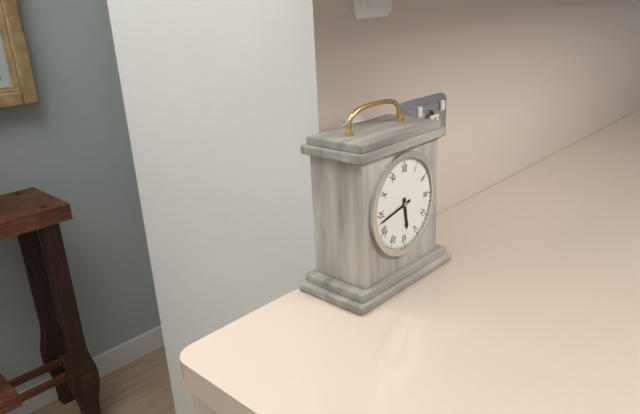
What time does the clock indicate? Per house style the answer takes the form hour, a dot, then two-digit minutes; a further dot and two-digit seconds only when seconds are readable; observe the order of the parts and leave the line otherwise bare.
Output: 5.43
